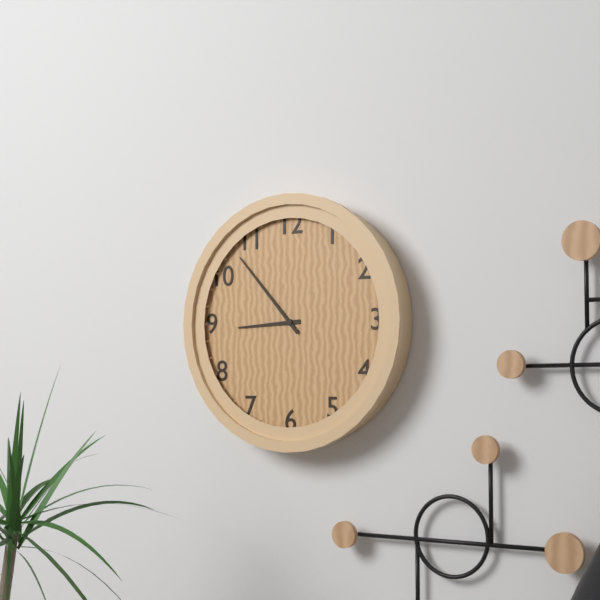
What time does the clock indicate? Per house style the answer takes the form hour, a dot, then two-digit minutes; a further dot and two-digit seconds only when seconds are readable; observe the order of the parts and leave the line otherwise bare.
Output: 8.53
